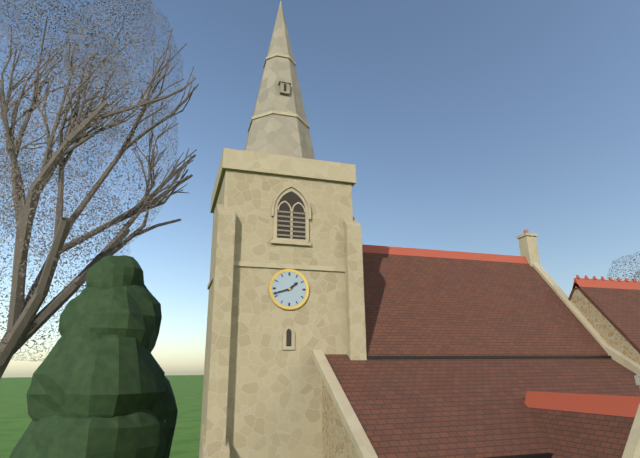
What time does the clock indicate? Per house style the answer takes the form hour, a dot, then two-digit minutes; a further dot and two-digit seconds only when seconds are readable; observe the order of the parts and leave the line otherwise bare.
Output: 1.42
